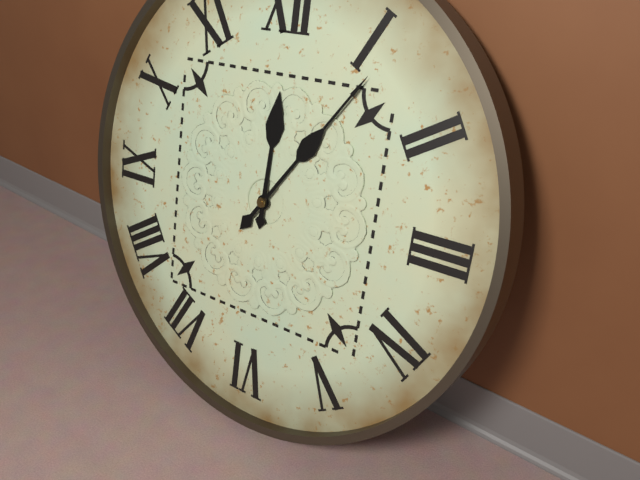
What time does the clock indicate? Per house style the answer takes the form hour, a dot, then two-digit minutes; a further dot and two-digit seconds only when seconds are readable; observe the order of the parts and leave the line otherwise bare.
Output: 12.06
